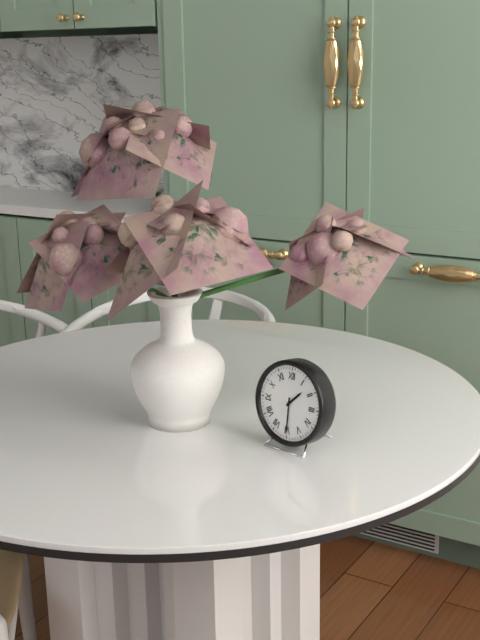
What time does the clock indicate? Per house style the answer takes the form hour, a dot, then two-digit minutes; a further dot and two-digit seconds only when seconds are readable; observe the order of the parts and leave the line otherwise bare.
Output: 1.30
